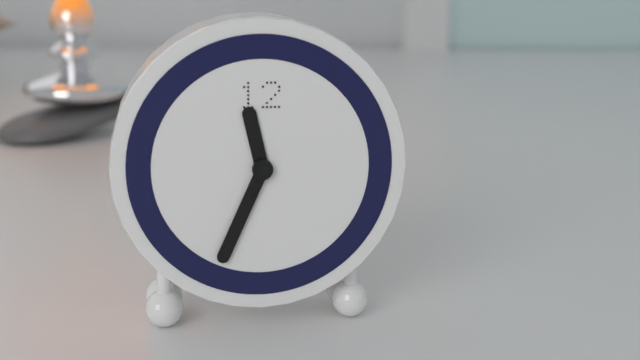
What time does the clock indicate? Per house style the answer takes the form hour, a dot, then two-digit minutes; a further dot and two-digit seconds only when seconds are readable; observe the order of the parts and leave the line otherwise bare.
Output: 11.34.33
